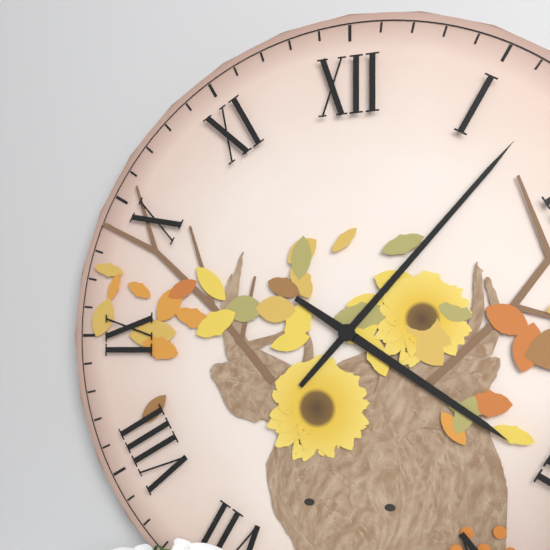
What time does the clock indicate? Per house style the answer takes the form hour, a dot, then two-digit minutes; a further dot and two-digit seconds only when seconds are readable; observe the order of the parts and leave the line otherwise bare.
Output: 4.07
